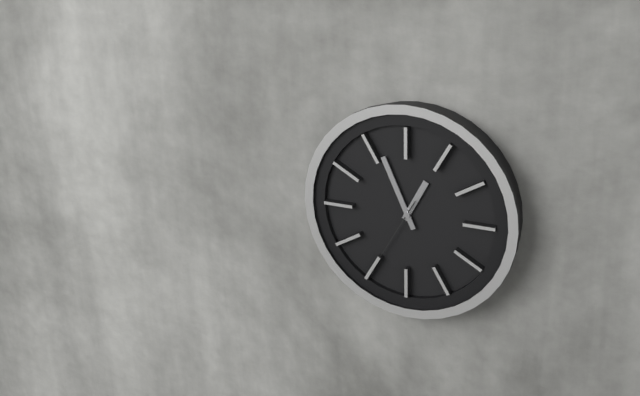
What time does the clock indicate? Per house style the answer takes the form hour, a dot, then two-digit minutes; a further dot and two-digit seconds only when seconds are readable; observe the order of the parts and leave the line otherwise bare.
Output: 12.56.35
